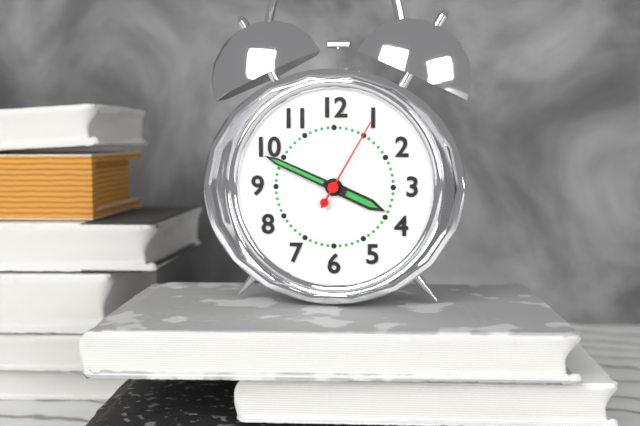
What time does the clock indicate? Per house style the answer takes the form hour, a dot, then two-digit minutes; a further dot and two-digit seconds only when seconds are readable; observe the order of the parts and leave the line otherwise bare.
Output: 3.49.05
